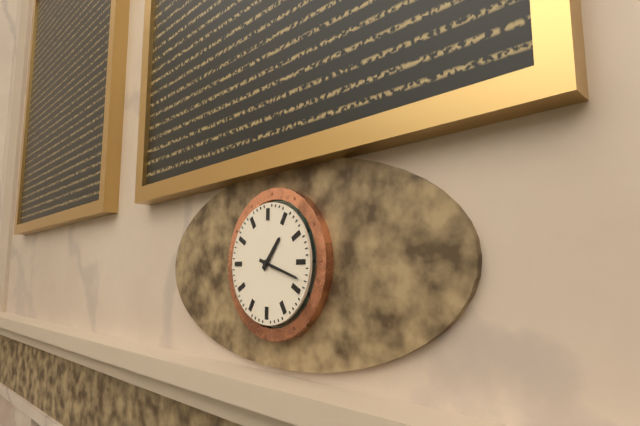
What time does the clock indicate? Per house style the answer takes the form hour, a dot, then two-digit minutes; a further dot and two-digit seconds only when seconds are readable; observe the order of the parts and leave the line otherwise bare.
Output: 1.18
